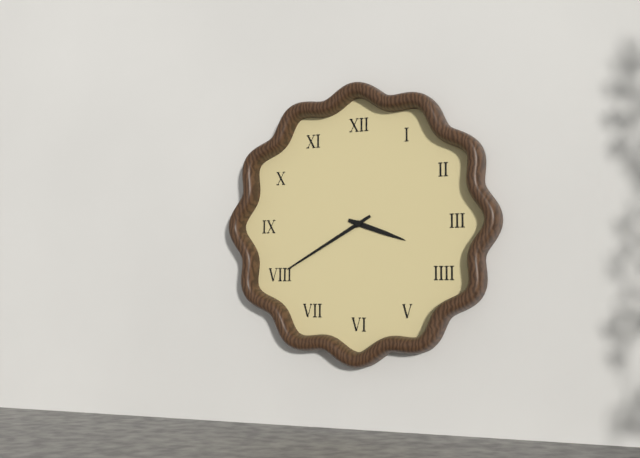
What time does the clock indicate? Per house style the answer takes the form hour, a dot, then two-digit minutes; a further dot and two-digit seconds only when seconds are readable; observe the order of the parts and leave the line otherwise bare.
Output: 3.40
